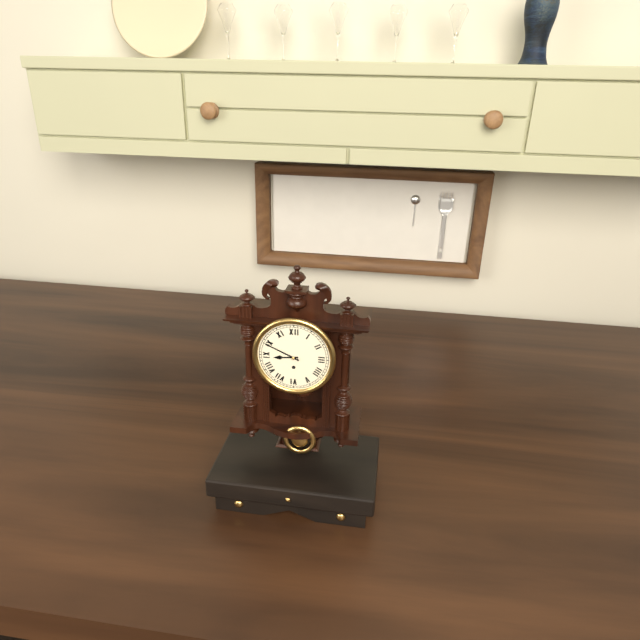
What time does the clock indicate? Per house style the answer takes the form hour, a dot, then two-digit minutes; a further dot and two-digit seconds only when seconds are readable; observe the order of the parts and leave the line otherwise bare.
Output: 8.49
